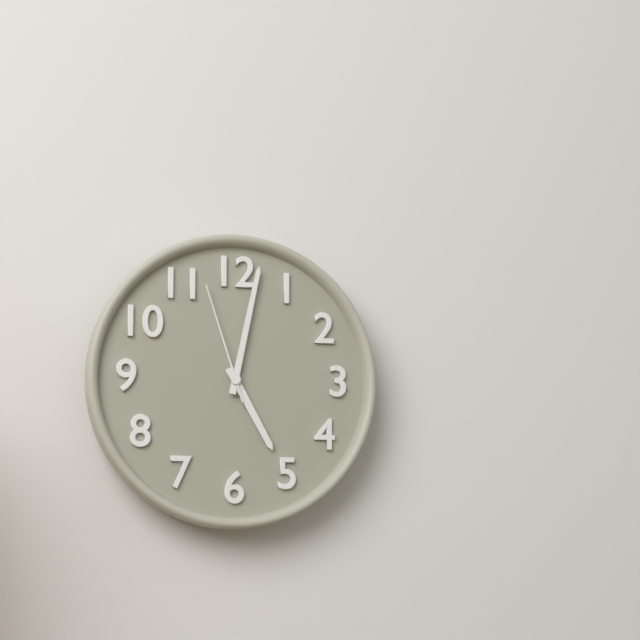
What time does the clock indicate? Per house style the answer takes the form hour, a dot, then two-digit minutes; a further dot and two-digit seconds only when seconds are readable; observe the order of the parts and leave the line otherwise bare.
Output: 5.02.57
